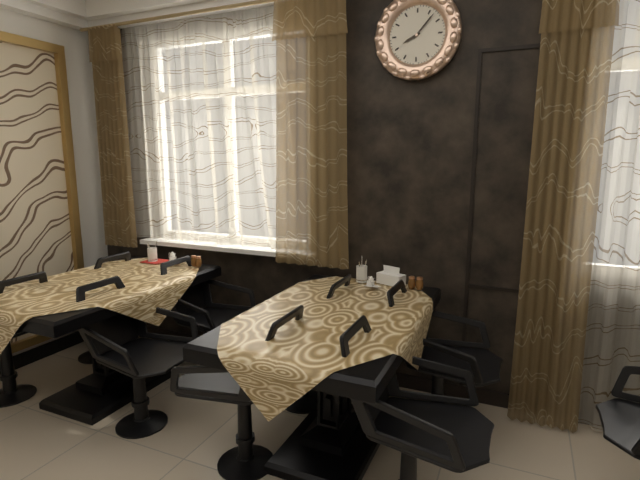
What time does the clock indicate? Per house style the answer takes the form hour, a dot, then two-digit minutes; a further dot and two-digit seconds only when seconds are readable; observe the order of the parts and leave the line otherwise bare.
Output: 8.07
